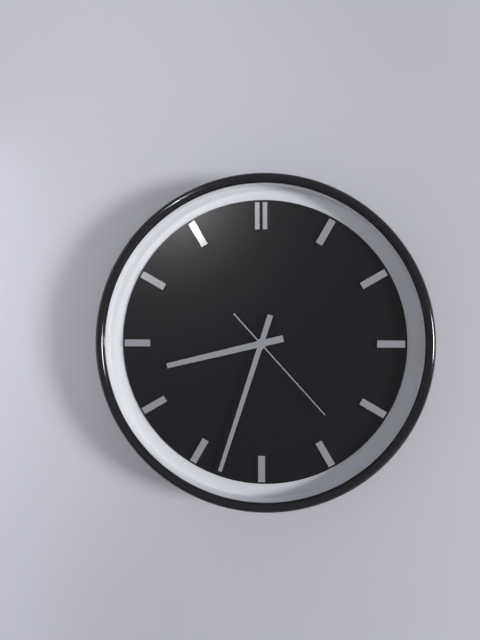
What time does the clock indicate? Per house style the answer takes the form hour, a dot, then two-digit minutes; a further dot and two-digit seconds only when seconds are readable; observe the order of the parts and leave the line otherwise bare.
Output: 8.33.23
